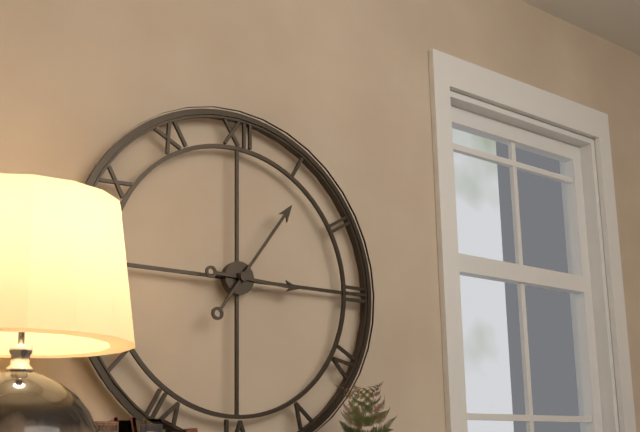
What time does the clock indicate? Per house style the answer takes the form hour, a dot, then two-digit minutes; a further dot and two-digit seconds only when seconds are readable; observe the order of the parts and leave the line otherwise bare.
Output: 3.06
